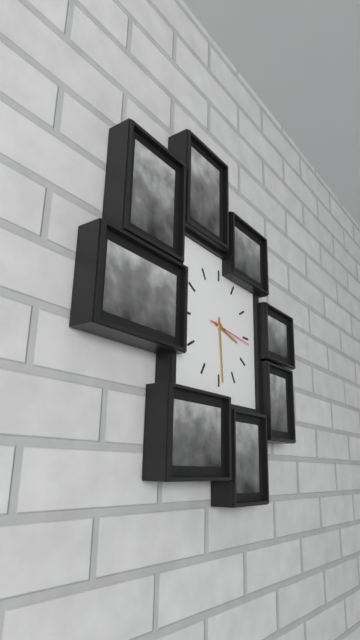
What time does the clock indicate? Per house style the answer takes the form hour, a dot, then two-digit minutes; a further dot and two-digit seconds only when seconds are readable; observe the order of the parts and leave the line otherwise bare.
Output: 3.29
